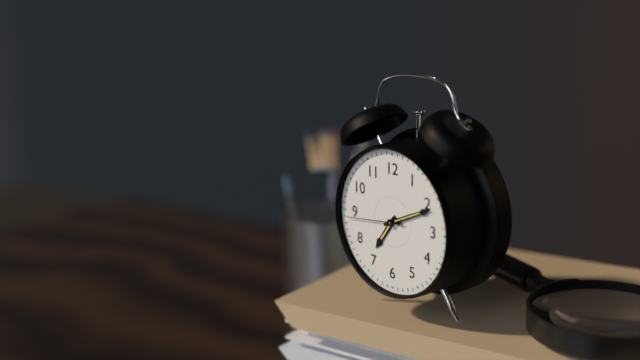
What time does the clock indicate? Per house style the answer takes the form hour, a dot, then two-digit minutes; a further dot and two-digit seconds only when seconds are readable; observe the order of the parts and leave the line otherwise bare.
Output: 7.11.44
